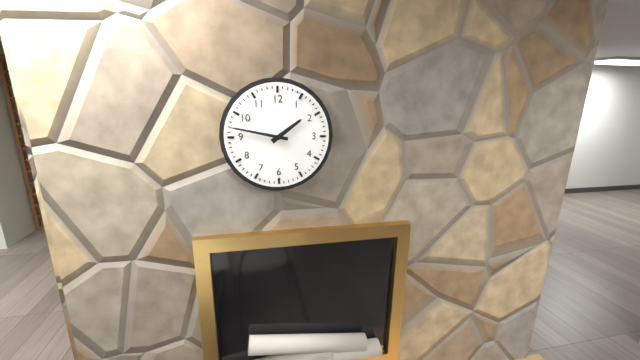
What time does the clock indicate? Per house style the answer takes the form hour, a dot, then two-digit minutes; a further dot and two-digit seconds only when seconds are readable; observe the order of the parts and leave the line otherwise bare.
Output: 1.47
